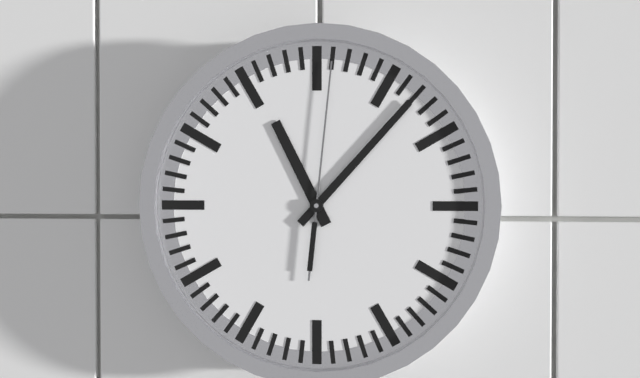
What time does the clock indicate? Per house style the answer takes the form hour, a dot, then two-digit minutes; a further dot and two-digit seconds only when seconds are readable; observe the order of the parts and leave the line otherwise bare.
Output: 11.07.01
